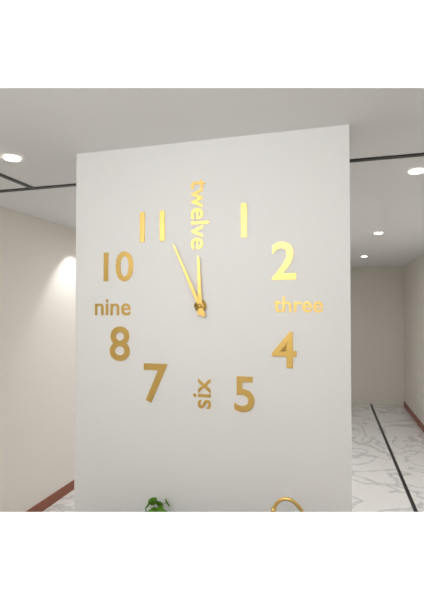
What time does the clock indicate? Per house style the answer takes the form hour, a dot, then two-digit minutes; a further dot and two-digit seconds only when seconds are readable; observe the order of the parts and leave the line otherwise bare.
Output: 11.56
